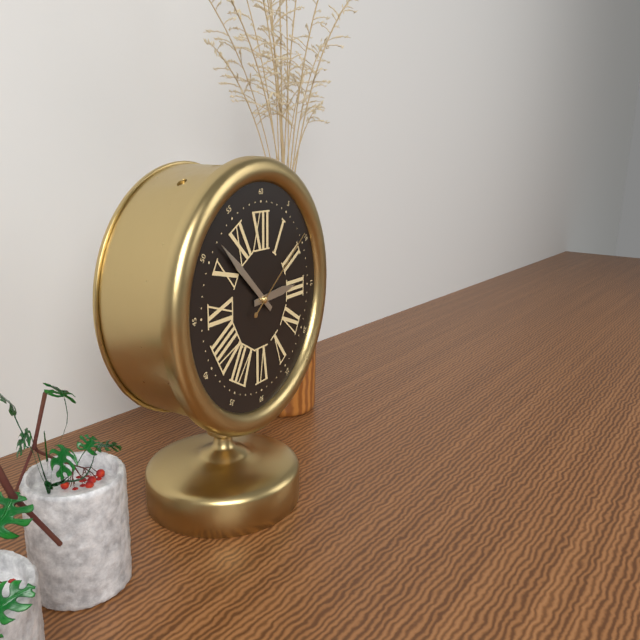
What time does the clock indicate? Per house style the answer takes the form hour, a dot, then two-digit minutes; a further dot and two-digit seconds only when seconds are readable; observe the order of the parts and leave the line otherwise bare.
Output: 2.52.09
